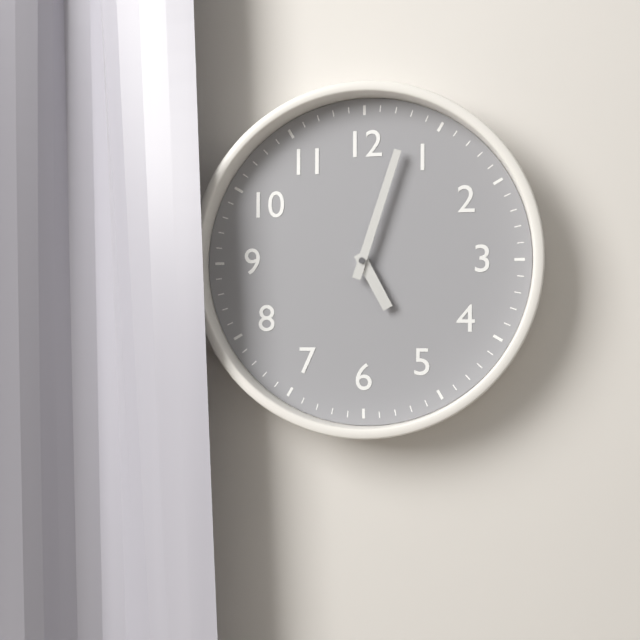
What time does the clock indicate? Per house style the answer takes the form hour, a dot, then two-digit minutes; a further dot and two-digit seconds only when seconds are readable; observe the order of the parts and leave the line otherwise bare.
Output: 5.03
